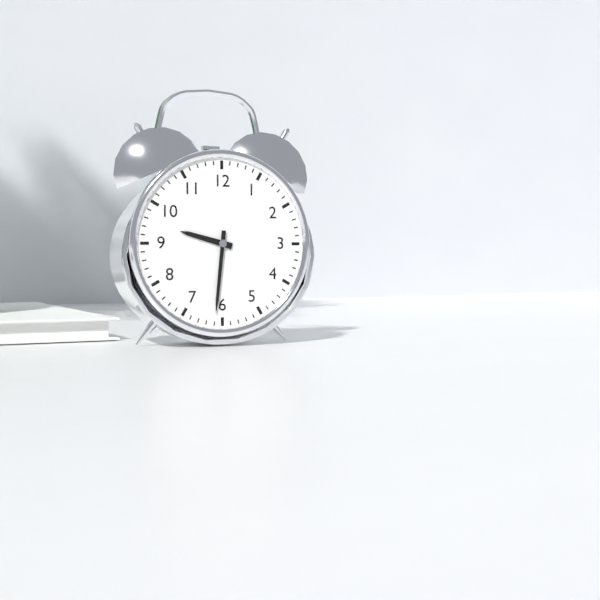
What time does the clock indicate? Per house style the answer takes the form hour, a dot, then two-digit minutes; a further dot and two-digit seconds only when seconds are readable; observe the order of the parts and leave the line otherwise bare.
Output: 9.31
